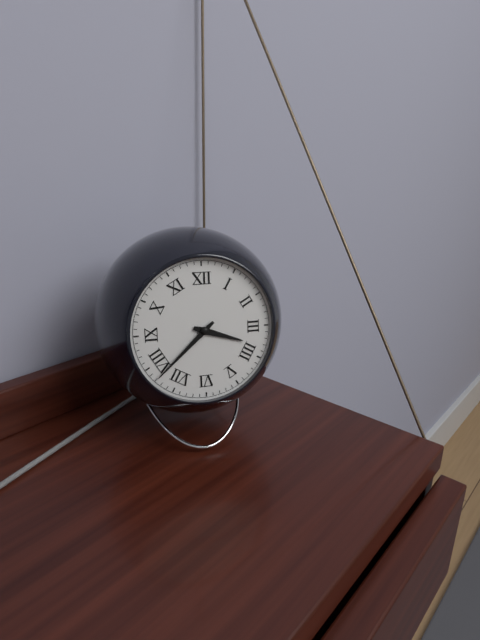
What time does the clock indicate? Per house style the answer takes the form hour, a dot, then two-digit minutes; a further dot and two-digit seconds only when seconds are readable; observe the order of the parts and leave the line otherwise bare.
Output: 3.38
